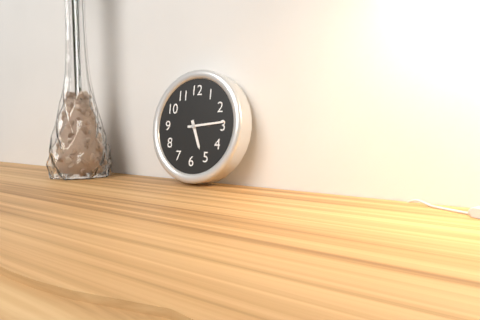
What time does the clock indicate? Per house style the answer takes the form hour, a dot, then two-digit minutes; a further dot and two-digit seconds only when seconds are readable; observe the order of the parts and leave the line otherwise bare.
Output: 5.14
